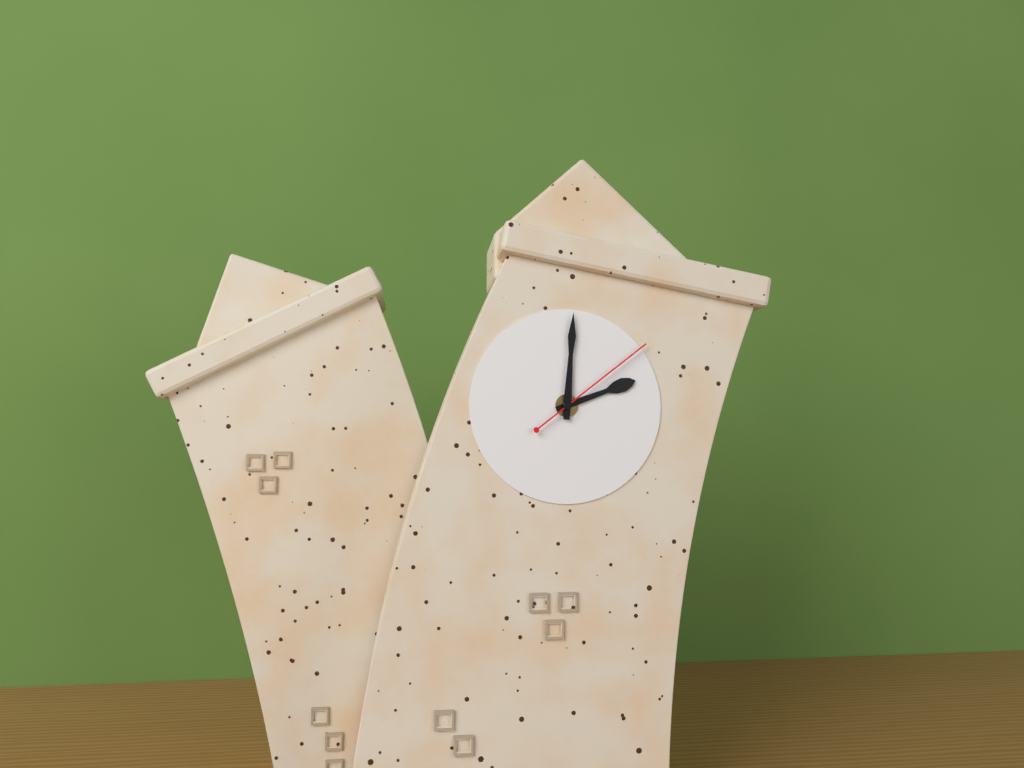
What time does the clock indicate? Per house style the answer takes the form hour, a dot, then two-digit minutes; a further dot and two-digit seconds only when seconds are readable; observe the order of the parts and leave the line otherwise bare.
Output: 1.59.07
